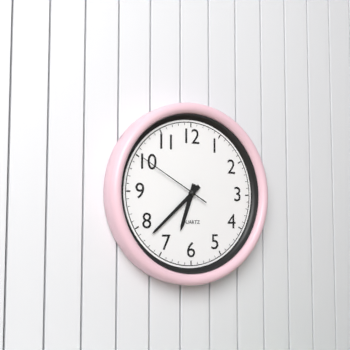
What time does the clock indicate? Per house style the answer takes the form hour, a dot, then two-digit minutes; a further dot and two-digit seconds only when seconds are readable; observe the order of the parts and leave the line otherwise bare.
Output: 6.38.50
